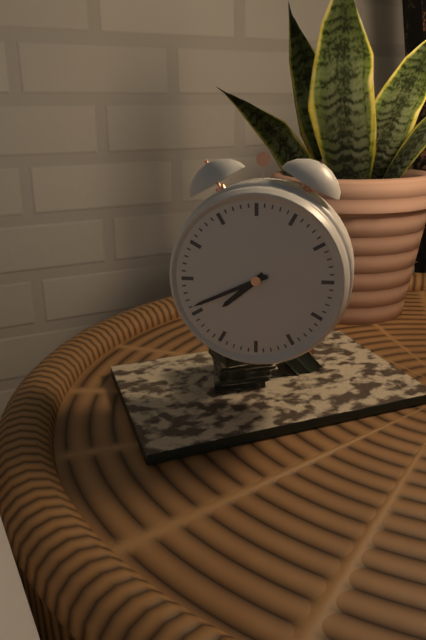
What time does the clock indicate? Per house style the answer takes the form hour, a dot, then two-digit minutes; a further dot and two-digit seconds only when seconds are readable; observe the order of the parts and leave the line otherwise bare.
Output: 7.41
